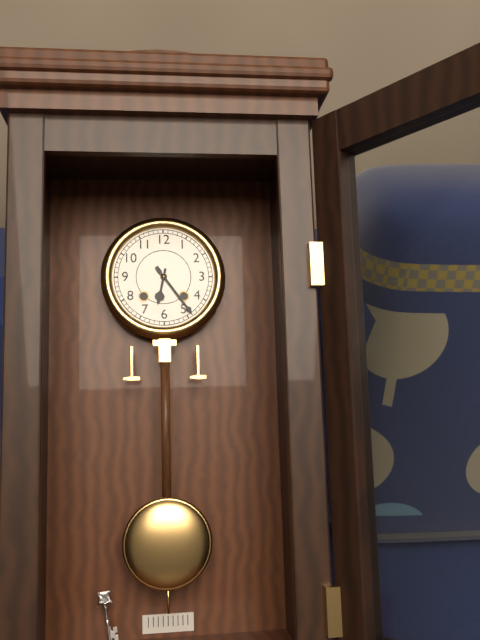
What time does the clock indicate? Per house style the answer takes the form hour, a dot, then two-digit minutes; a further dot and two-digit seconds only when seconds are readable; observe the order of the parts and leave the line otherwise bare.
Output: 6.24
